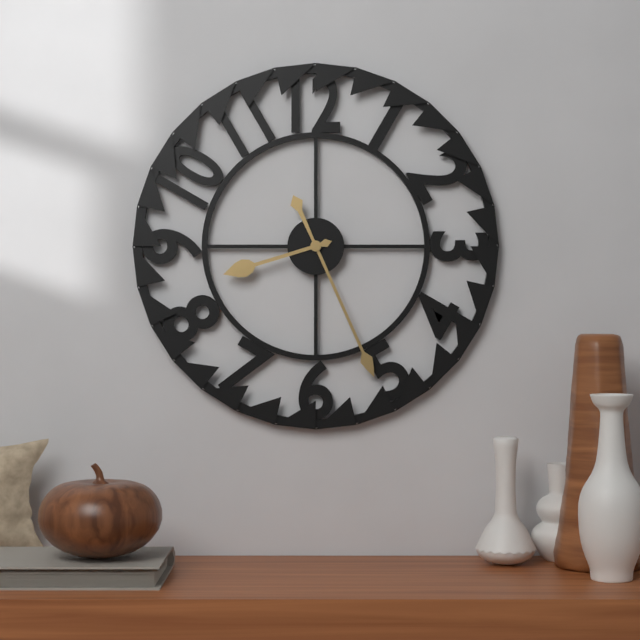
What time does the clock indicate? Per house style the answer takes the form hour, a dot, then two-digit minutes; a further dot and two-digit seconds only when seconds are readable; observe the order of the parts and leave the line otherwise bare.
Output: 8.26
